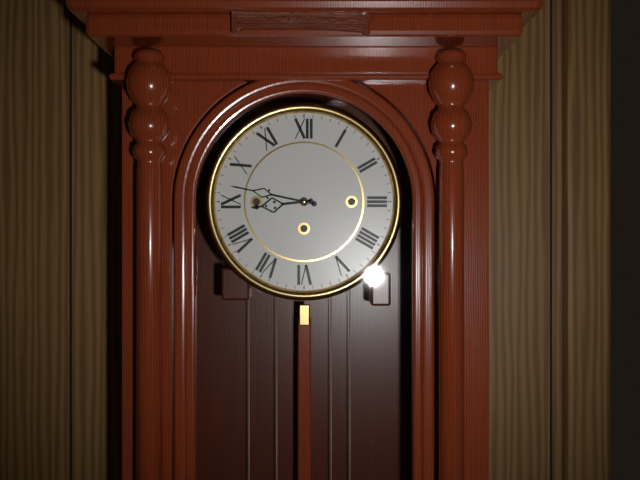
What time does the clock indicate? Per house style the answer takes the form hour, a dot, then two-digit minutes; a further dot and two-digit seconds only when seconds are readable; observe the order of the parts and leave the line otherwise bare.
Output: 8.47
